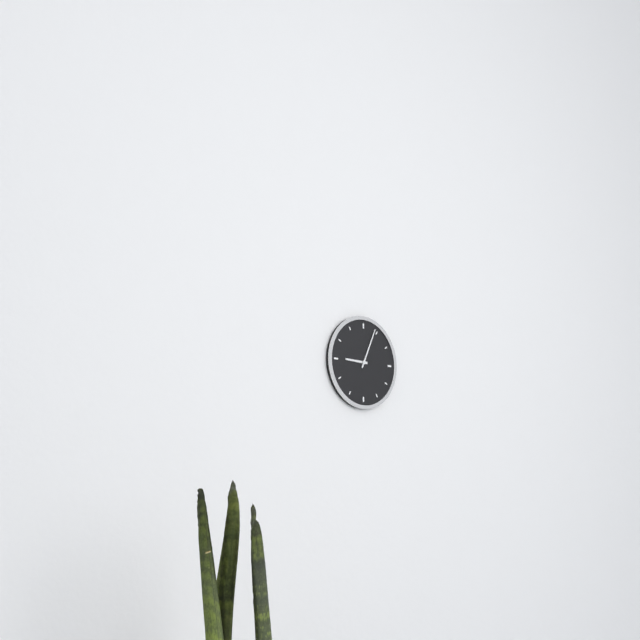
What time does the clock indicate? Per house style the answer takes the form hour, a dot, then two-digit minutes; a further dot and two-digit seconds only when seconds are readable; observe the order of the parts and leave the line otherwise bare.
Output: 9.04
